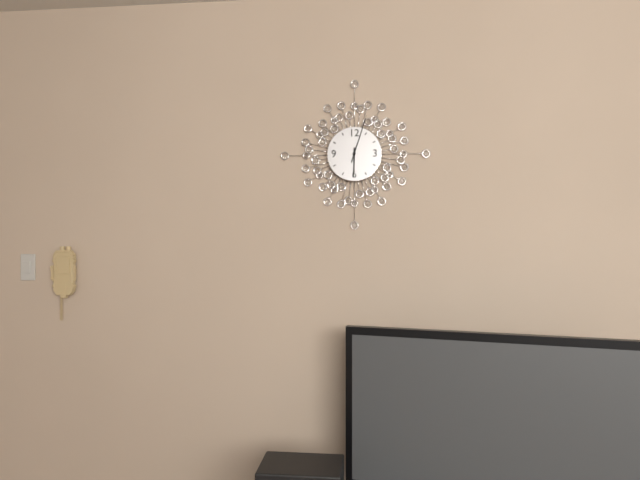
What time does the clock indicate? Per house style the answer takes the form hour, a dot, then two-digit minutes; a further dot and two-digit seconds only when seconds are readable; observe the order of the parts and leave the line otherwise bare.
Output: 6.03
